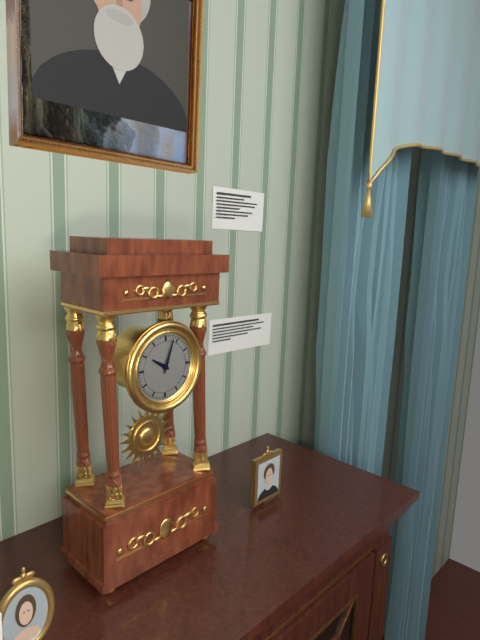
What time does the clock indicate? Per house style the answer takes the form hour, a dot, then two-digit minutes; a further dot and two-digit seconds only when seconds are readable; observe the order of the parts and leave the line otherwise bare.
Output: 10.03
